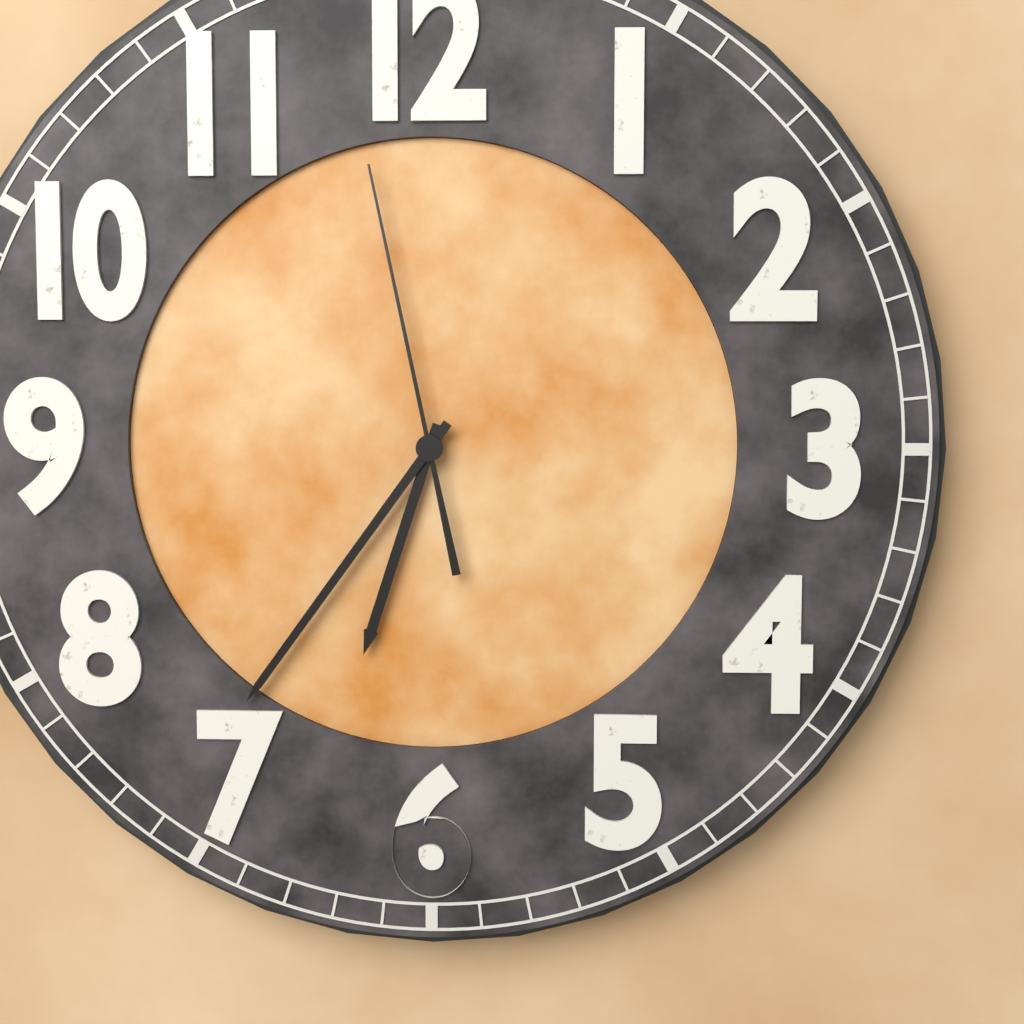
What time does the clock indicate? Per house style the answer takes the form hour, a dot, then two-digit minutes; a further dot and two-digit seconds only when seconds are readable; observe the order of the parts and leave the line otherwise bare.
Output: 6.36.58
